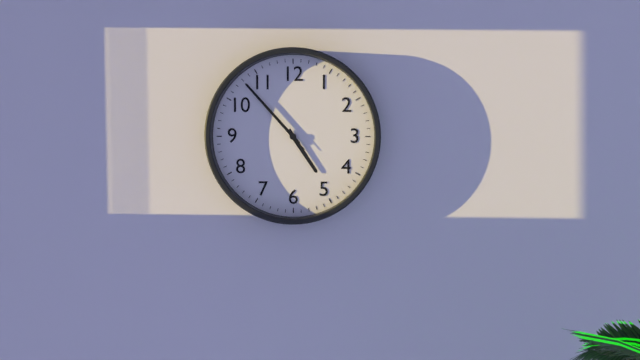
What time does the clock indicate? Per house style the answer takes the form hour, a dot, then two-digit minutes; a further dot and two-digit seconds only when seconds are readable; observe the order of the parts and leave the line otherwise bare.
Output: 4.53.53
